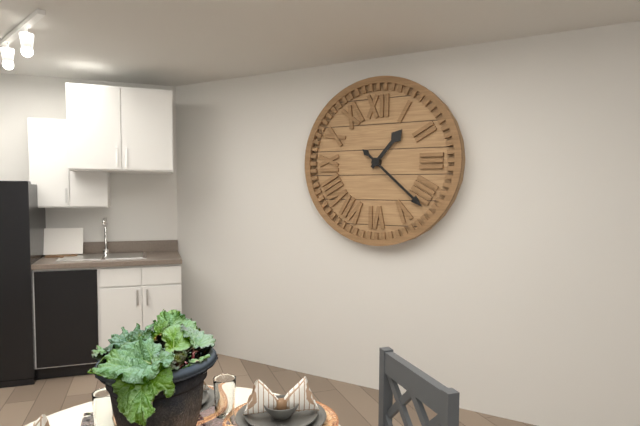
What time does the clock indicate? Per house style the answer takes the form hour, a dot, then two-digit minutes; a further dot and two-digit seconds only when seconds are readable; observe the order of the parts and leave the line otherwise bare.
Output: 1.22
